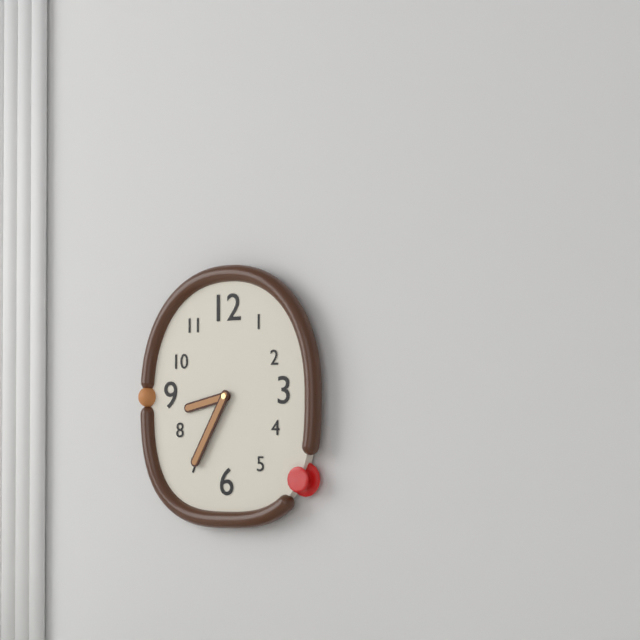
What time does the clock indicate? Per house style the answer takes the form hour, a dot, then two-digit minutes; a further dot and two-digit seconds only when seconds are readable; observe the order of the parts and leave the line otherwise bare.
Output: 8.35
